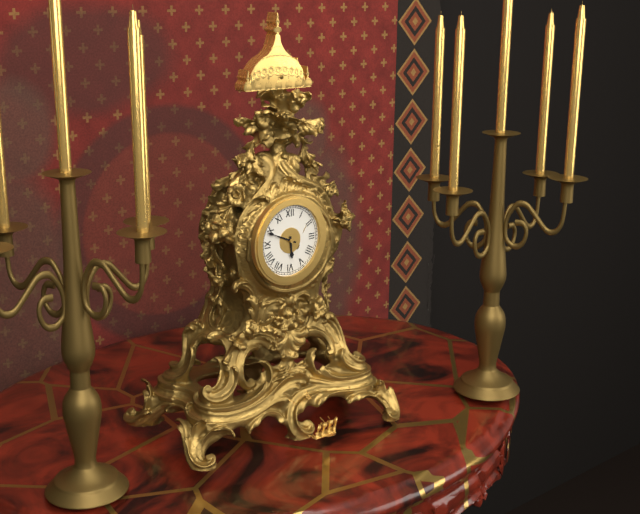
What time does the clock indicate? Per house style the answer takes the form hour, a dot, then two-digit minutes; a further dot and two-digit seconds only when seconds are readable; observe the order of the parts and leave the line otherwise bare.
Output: 5.49
